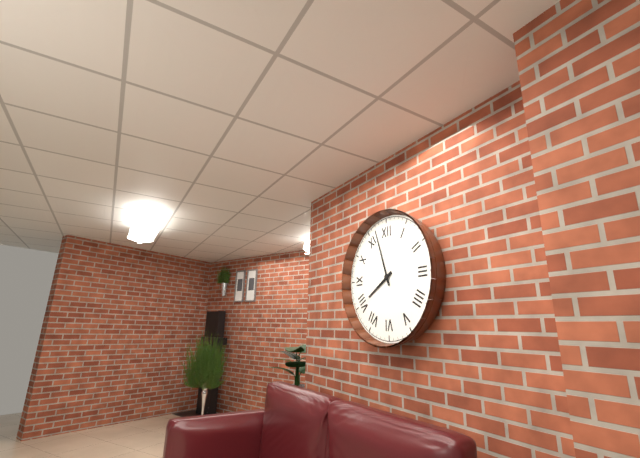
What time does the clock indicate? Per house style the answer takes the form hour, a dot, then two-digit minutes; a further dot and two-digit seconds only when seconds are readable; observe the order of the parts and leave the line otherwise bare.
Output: 7.57
